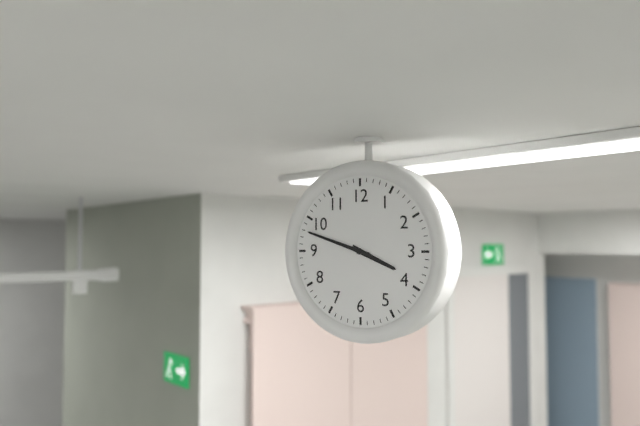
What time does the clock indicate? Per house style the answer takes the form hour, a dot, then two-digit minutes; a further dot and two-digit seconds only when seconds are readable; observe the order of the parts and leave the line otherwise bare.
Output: 3.48
